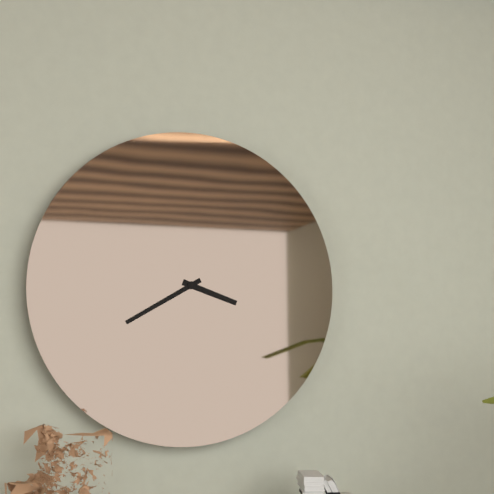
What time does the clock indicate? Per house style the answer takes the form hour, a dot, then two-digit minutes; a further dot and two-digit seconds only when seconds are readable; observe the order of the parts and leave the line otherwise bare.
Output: 3.40
